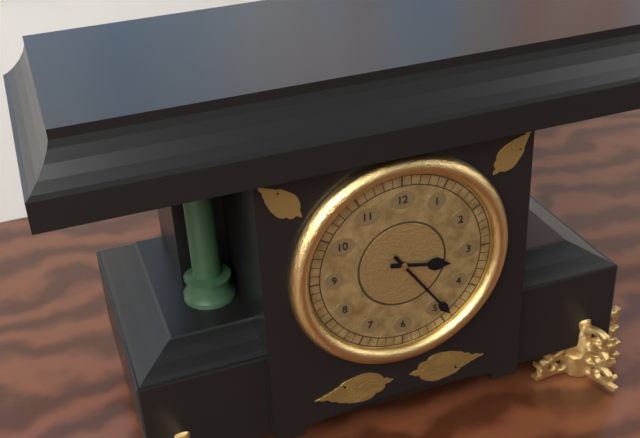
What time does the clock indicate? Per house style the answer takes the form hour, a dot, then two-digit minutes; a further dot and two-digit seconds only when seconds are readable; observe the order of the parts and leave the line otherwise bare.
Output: 3.24
